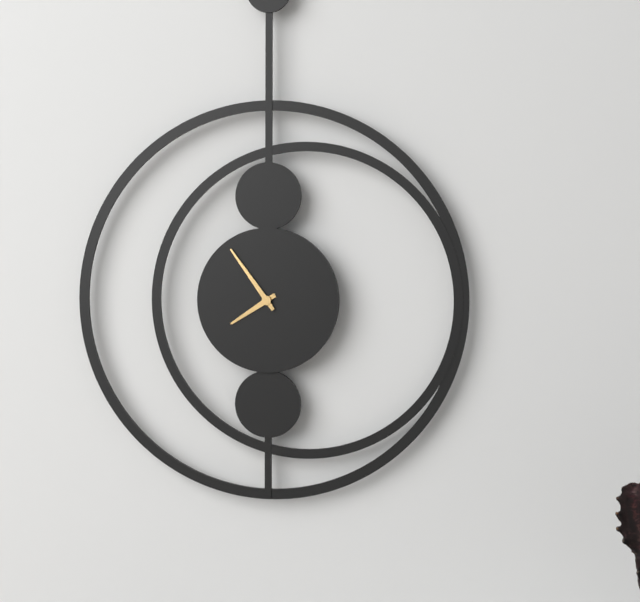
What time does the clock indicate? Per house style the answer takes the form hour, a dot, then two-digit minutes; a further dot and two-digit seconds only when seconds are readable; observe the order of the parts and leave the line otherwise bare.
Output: 7.54
